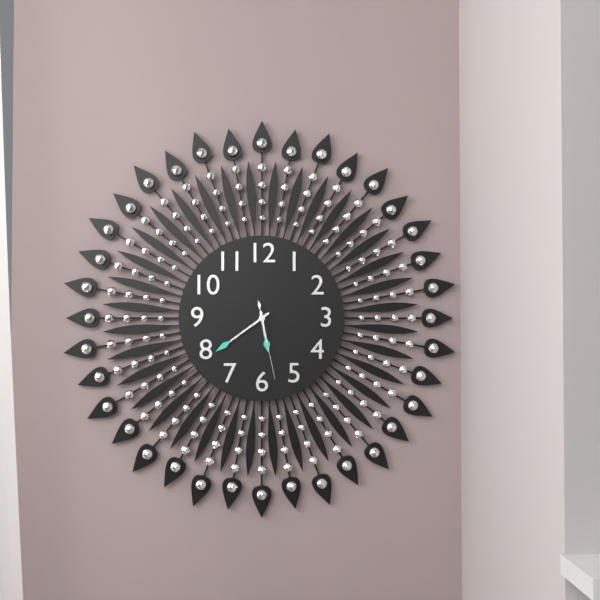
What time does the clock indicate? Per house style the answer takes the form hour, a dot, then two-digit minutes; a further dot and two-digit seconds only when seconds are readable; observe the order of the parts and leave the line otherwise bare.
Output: 5.39.28
